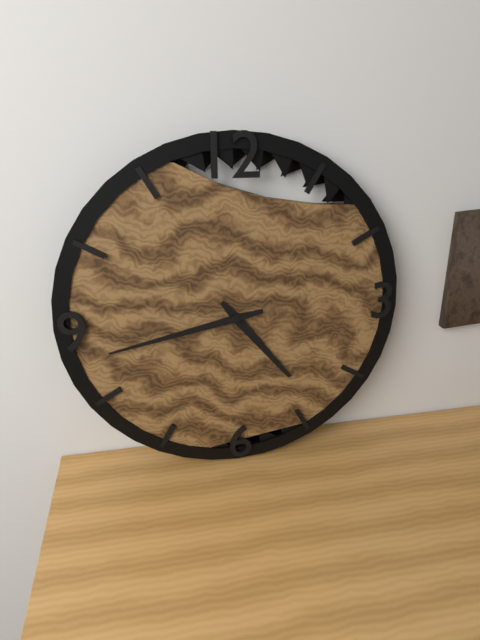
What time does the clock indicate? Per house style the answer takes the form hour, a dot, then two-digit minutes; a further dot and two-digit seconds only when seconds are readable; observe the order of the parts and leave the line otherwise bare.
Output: 4.43
